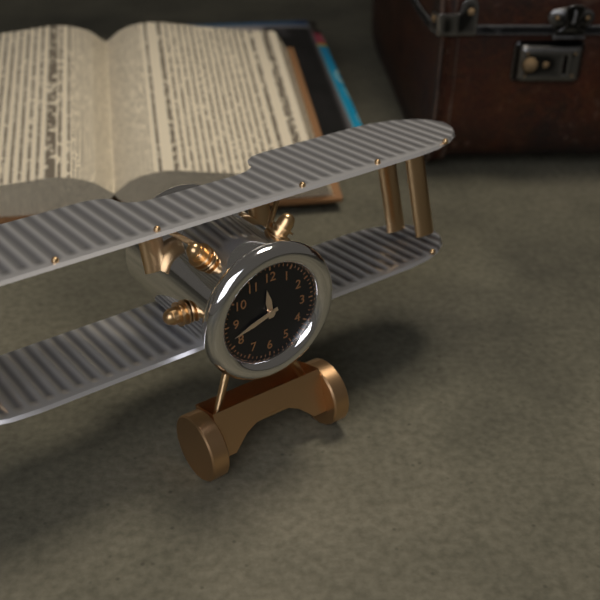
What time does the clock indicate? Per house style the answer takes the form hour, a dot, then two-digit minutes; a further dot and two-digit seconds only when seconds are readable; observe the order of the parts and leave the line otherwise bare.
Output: 11.42
